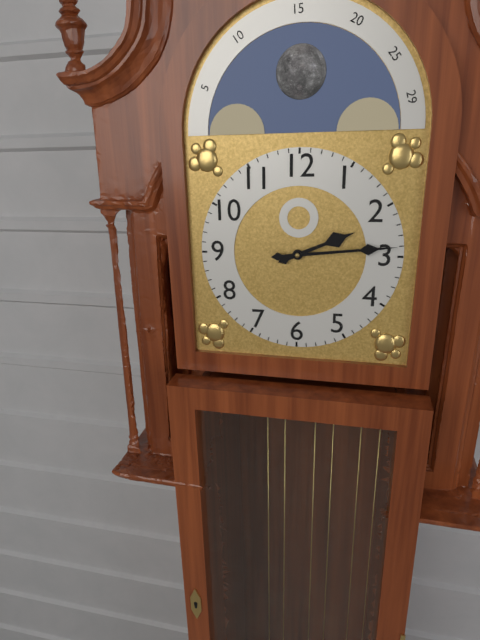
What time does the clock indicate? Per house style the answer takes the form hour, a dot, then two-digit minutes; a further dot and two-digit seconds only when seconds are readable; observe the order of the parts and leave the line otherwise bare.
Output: 2.14
